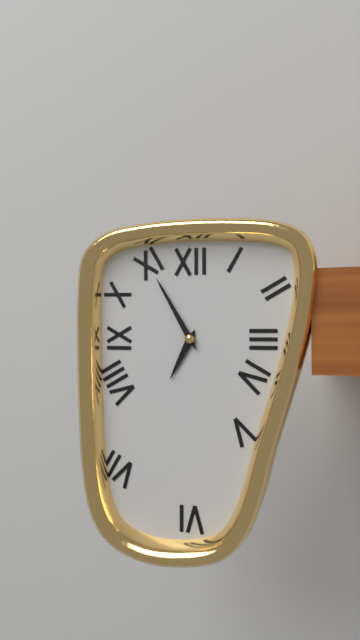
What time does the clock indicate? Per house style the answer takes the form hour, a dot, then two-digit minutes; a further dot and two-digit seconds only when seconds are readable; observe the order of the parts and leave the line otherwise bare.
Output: 6.55
